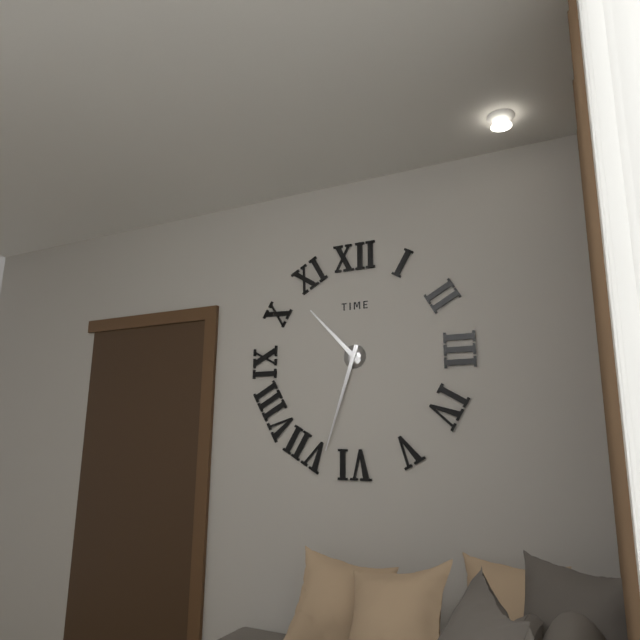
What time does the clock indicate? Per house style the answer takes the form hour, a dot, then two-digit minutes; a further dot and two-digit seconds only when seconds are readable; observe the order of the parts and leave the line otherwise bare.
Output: 10.33
